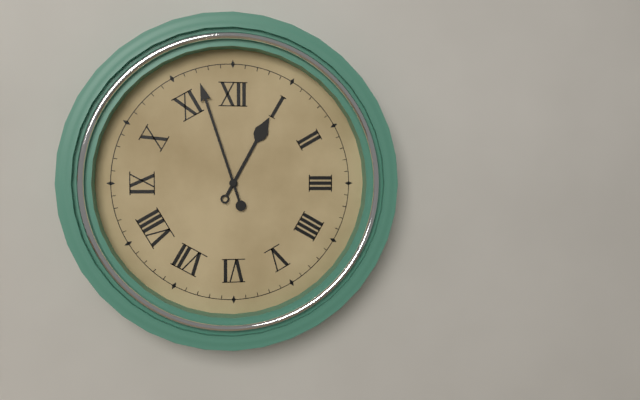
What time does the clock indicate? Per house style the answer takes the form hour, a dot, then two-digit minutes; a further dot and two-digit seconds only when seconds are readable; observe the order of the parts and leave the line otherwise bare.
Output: 12.57
